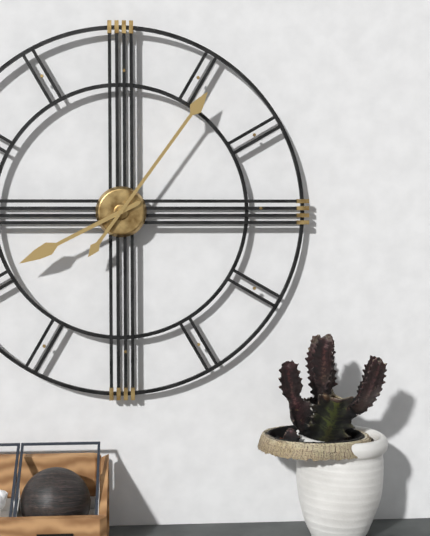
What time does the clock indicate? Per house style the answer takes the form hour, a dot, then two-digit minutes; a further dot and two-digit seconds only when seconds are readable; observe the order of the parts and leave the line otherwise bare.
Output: 8.06
